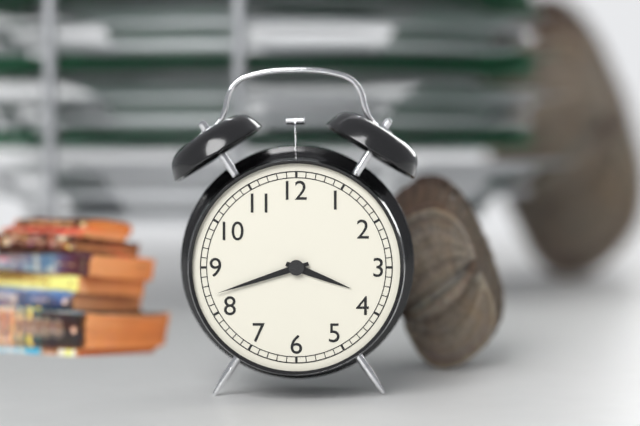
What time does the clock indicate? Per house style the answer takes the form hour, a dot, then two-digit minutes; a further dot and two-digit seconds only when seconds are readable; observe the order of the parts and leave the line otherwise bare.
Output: 3.42
